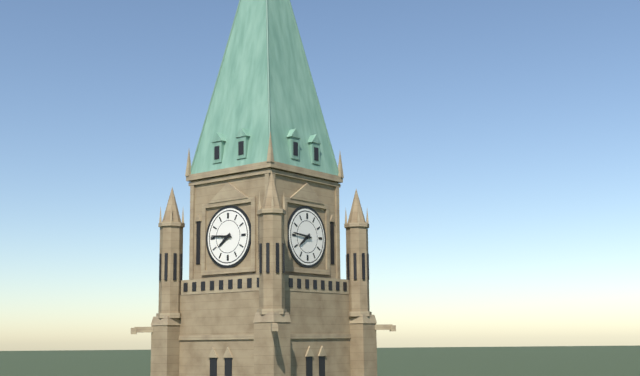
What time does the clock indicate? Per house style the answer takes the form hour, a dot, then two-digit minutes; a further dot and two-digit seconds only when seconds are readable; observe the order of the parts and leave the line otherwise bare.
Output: 7.46
